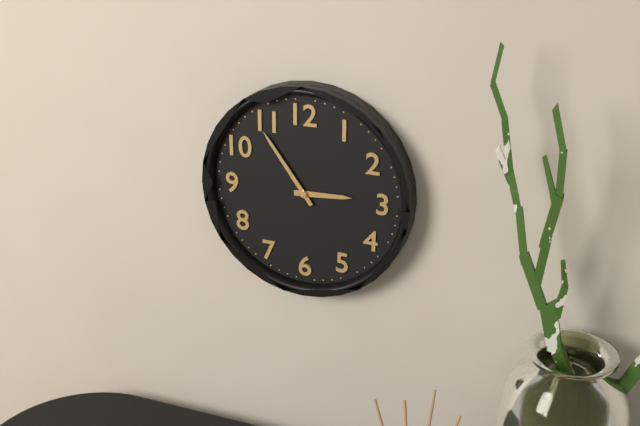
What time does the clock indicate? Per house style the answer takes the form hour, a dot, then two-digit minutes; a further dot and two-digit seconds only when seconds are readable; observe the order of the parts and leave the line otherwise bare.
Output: 2.54
